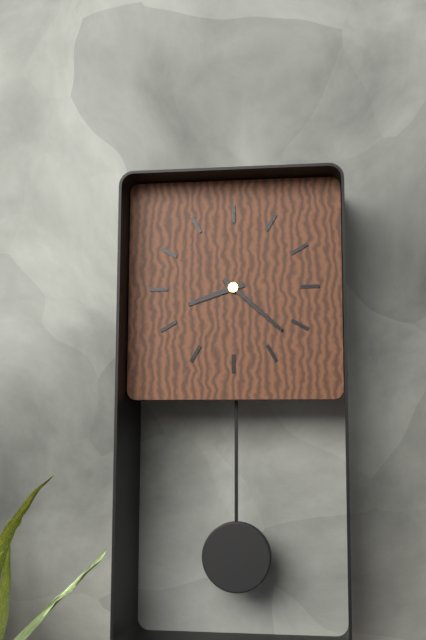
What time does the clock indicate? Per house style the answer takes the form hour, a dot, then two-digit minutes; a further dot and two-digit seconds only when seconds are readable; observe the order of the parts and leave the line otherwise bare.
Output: 8.22
